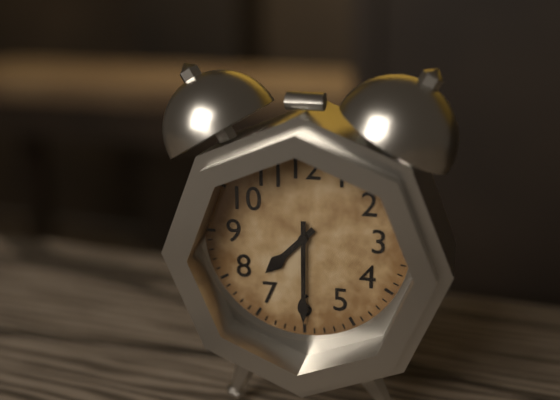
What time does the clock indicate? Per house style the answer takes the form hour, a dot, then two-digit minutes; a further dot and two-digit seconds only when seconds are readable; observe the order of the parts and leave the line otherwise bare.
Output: 7.30
